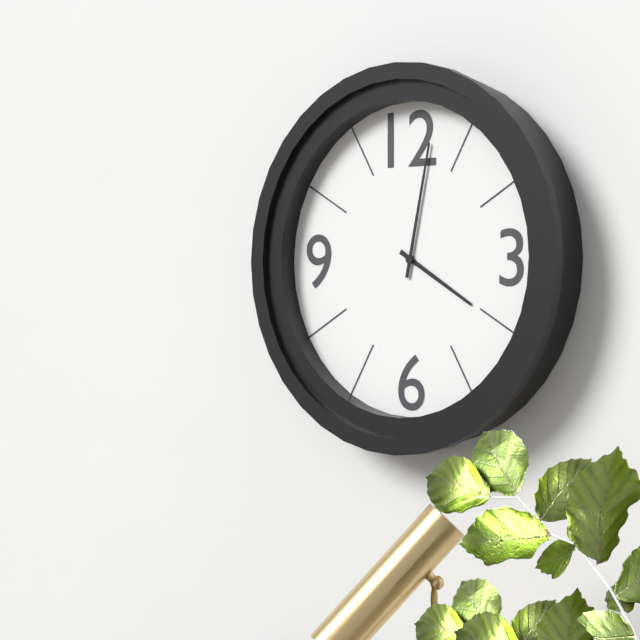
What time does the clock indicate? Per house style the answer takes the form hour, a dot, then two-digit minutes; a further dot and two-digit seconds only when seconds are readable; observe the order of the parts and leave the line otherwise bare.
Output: 4.02
